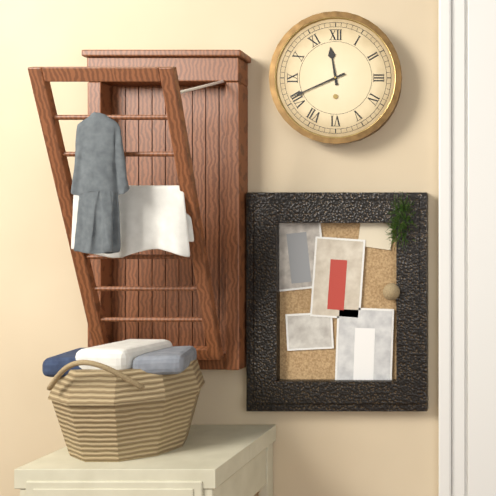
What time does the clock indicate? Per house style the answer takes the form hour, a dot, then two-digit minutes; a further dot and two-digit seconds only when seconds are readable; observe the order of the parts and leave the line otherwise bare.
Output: 11.41
